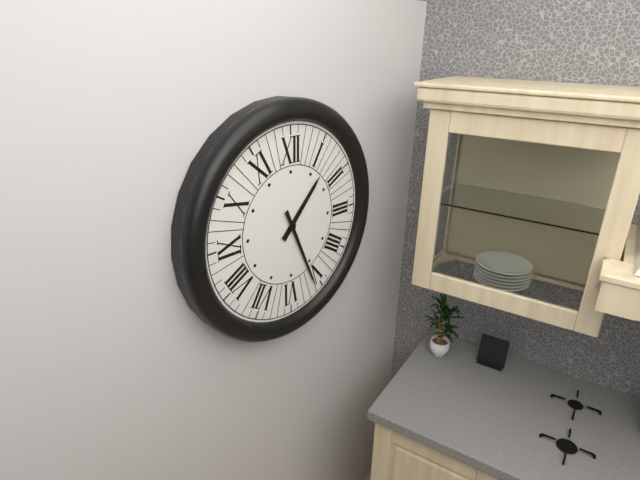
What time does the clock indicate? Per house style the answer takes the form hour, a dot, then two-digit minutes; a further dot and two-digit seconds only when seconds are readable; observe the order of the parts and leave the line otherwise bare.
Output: 1.26
